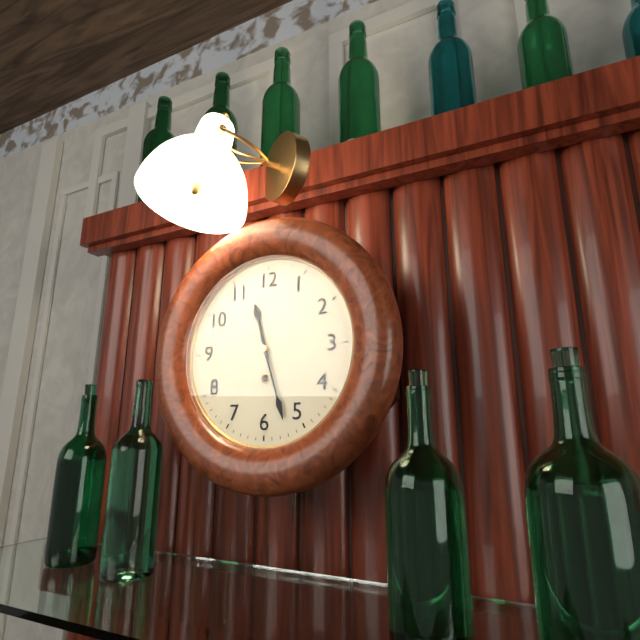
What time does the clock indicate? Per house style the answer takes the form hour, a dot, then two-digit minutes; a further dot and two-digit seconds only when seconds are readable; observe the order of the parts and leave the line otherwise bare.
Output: 11.27
